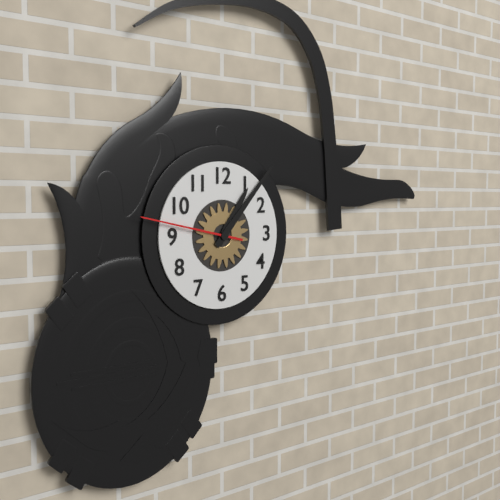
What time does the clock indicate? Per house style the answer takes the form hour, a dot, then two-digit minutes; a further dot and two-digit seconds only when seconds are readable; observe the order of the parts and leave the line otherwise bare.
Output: 1.07.47
